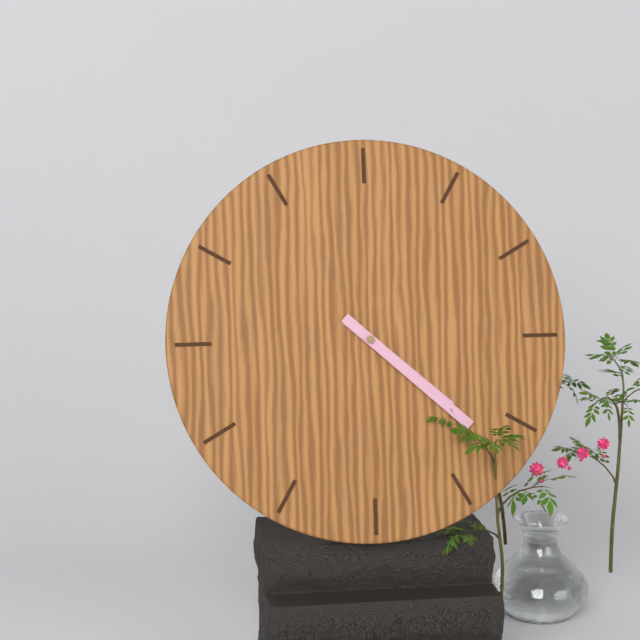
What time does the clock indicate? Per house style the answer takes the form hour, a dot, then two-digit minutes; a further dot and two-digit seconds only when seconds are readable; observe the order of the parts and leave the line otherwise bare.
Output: 4.22
